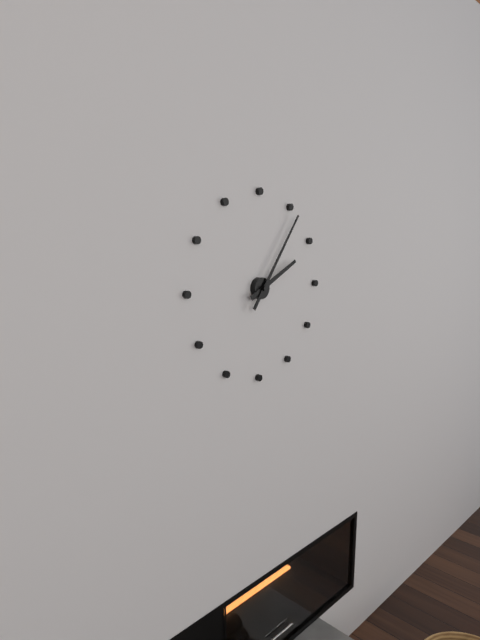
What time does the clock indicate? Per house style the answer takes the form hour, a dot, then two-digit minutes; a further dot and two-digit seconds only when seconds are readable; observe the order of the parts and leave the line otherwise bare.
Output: 2.06
